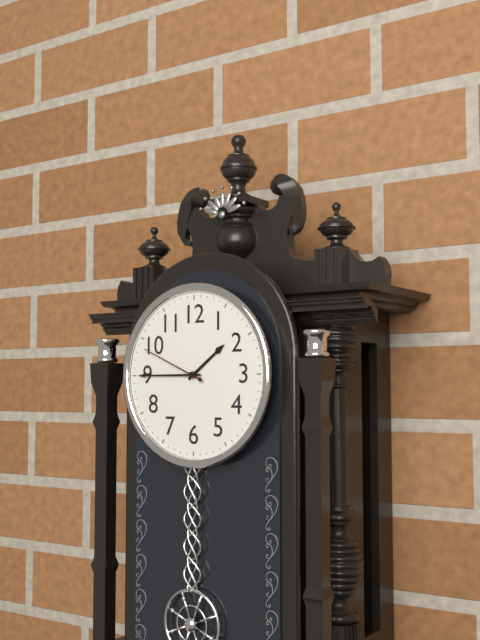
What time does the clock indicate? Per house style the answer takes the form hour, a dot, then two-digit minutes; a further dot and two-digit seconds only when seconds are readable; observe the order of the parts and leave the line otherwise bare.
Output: 1.45.49
